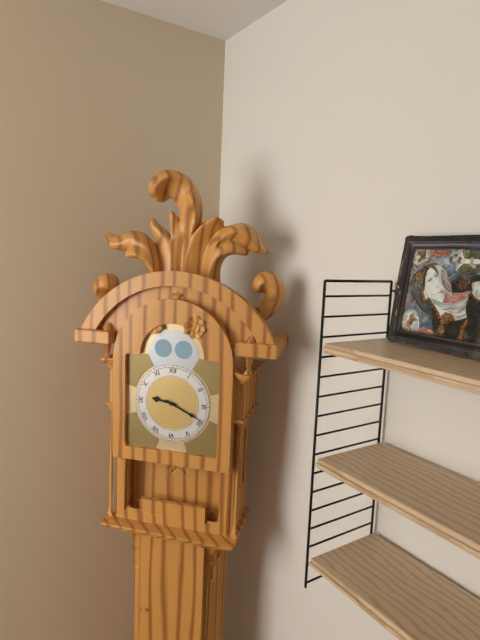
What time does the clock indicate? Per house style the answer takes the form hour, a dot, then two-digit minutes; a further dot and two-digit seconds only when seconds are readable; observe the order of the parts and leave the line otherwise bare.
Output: 9.19
